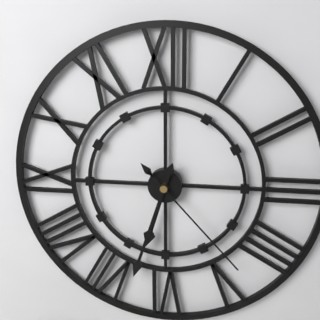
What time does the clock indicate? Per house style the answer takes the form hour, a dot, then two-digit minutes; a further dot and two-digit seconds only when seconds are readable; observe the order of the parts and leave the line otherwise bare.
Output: 6.33.23
